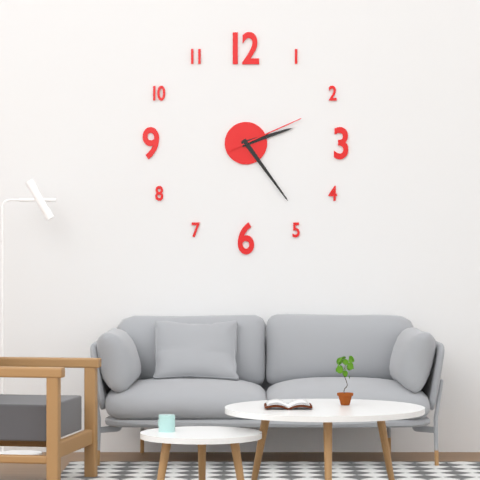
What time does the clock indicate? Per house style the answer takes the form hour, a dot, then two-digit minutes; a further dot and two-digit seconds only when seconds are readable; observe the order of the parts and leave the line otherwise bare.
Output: 2.24.11
